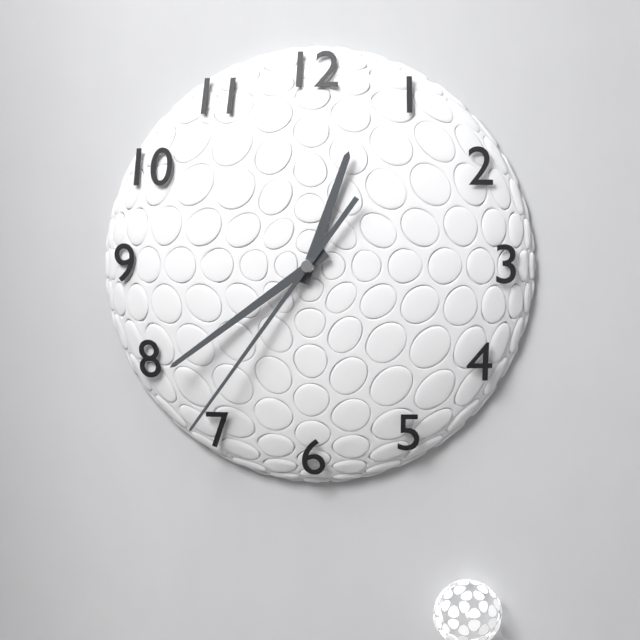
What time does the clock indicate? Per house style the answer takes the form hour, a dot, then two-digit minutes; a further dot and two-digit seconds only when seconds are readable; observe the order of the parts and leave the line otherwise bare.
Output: 12.39.36
